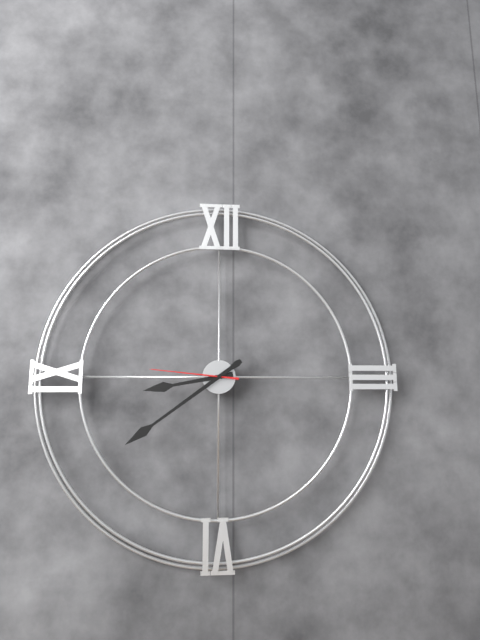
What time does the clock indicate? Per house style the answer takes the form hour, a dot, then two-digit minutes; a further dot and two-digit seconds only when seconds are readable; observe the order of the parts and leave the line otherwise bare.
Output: 8.39.46
